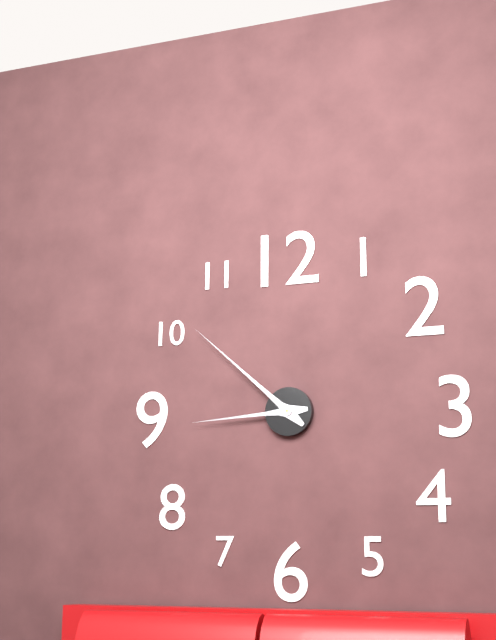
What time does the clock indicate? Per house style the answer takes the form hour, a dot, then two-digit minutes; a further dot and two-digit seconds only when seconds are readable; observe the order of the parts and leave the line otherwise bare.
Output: 8.52
